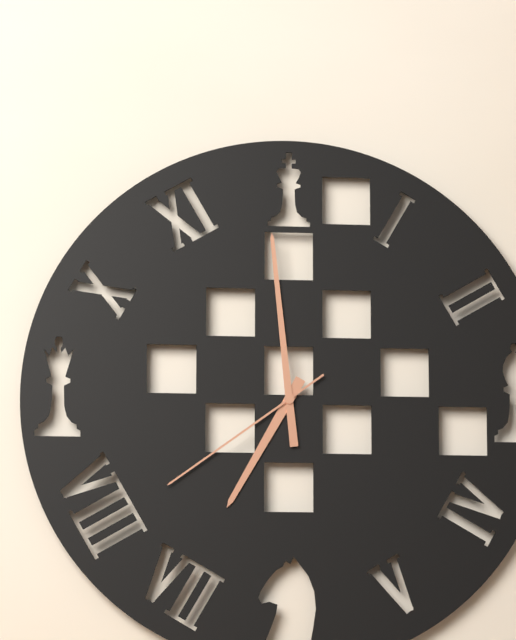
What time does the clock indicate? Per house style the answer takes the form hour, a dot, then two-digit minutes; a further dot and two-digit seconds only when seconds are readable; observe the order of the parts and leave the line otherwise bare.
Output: 6.59.39
